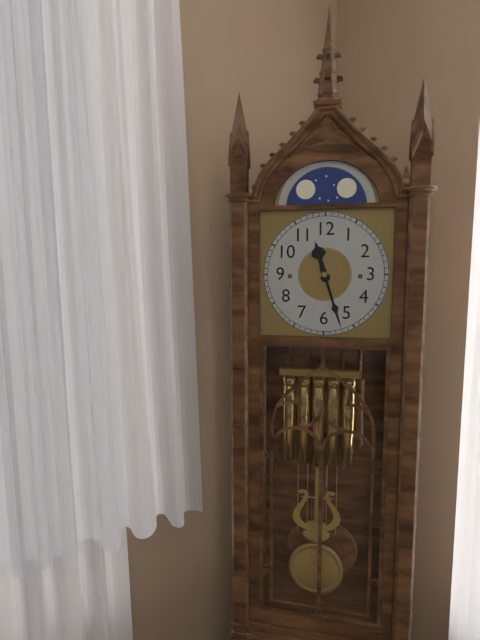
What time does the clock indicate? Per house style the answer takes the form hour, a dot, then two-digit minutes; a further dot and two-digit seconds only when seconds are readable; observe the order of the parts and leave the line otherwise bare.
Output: 11.27
